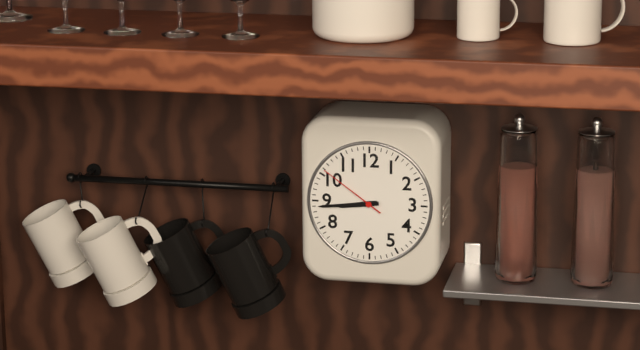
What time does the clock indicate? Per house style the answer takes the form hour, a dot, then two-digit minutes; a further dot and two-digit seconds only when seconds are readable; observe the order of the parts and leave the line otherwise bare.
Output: 8.44.51
